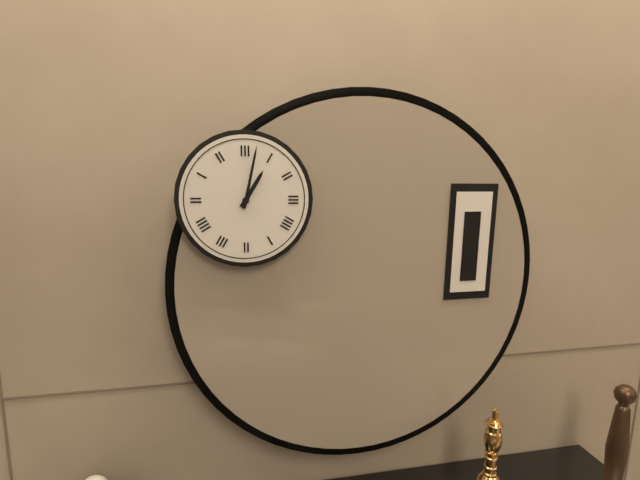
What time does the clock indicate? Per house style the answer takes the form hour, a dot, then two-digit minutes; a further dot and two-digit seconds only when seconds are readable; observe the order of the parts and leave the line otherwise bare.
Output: 1.02
